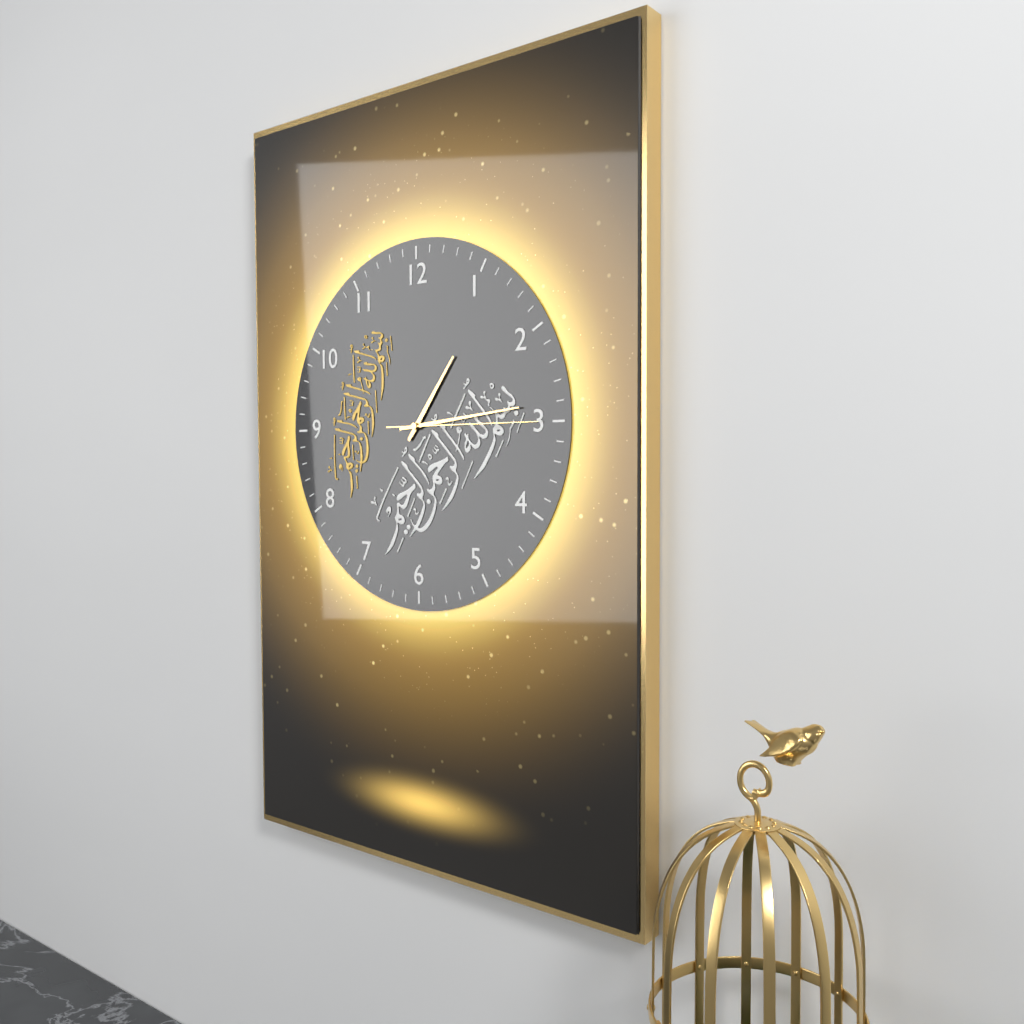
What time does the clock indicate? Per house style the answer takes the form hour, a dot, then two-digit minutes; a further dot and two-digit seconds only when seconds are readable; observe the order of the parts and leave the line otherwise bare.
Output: 1.14.15
